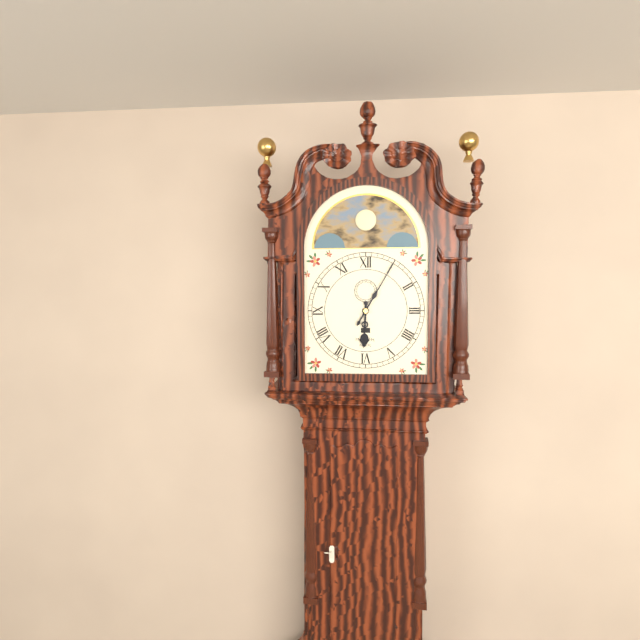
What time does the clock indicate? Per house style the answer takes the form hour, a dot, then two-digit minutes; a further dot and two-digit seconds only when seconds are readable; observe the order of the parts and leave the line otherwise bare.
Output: 6.05
